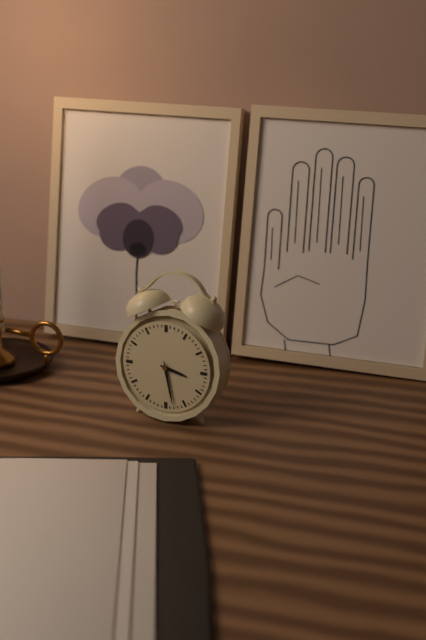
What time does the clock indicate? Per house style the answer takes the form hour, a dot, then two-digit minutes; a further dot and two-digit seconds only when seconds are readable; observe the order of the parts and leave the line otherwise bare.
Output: 3.28
